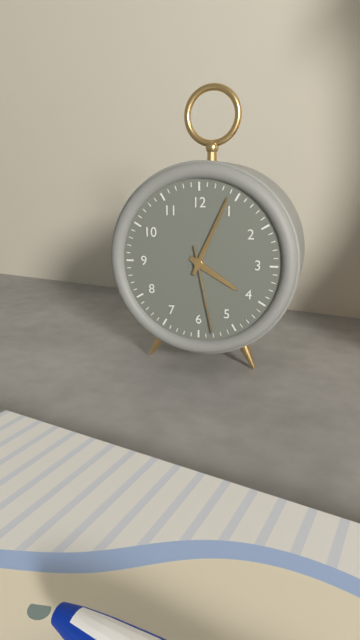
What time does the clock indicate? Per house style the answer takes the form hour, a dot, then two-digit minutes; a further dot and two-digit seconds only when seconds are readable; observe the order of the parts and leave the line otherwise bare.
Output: 4.04.28
